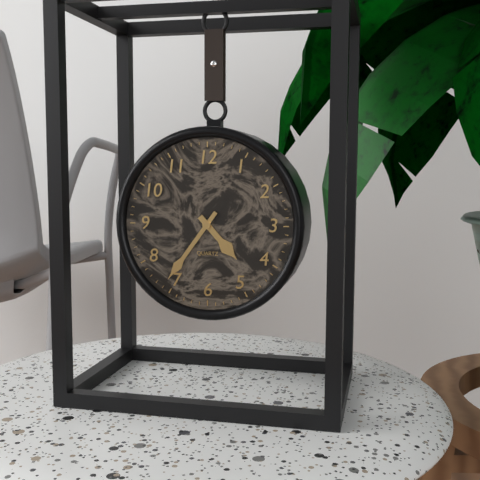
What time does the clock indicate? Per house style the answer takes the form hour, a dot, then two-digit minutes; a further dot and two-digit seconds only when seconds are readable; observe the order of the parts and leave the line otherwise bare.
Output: 4.36
